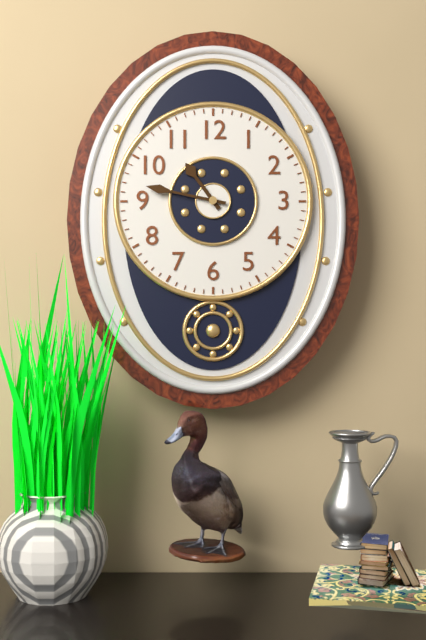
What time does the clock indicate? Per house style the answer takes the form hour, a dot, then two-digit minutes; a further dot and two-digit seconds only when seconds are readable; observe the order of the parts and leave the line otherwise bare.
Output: 10.47
